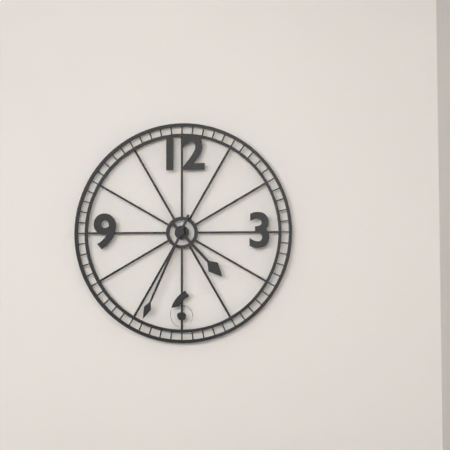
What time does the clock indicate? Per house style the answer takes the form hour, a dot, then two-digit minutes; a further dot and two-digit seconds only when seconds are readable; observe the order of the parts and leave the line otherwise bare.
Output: 4.34
